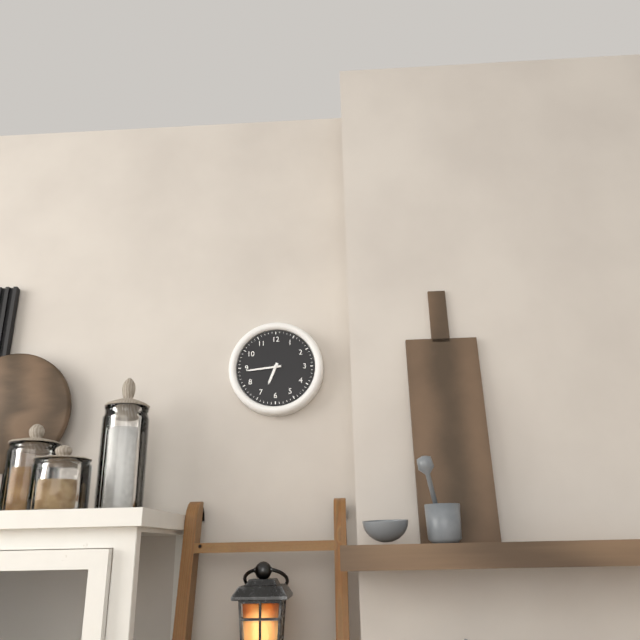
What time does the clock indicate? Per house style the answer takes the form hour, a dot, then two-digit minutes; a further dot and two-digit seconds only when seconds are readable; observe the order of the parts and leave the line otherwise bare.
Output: 6.44
